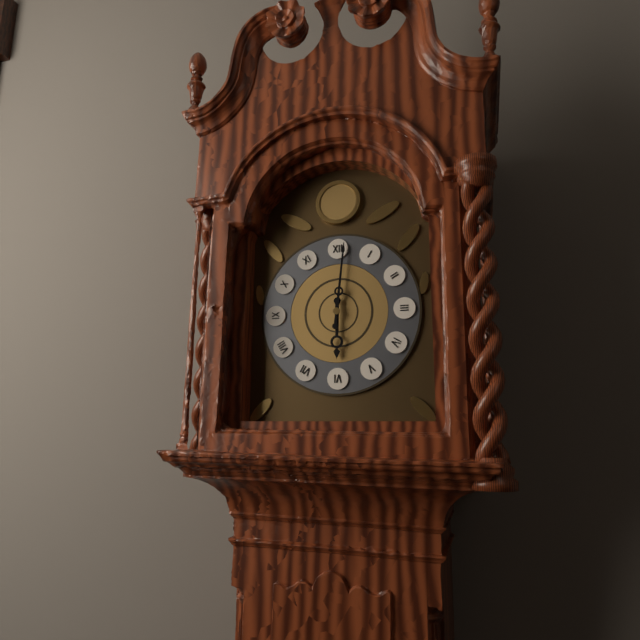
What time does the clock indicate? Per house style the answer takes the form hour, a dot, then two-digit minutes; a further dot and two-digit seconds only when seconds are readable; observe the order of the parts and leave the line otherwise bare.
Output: 6.01
